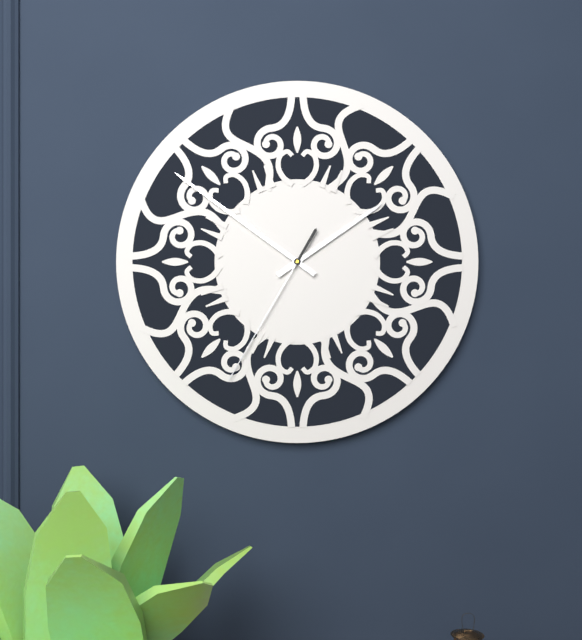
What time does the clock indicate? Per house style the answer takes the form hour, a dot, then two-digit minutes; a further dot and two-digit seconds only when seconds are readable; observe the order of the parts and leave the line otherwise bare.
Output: 1.51.35
